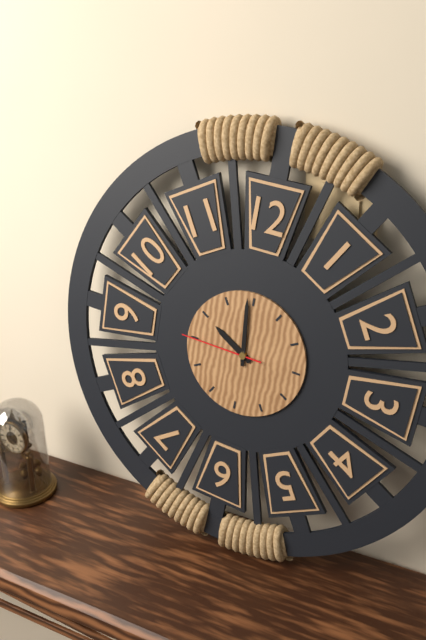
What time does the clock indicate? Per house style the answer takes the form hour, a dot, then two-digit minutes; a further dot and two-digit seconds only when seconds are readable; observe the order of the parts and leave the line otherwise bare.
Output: 9.59.45
